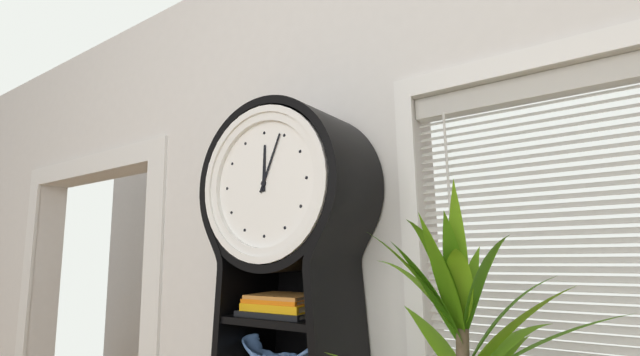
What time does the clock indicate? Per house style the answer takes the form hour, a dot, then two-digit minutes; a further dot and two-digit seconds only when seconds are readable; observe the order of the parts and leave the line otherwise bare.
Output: 12.04
